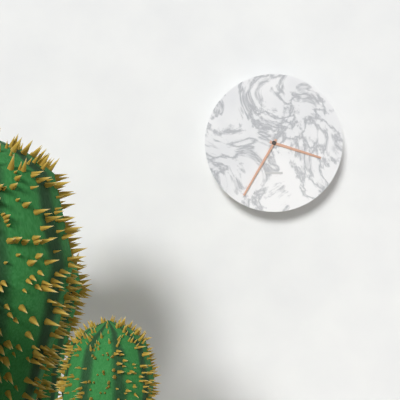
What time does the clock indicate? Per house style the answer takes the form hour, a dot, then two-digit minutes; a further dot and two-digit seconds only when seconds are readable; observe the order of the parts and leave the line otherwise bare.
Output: 3.35
